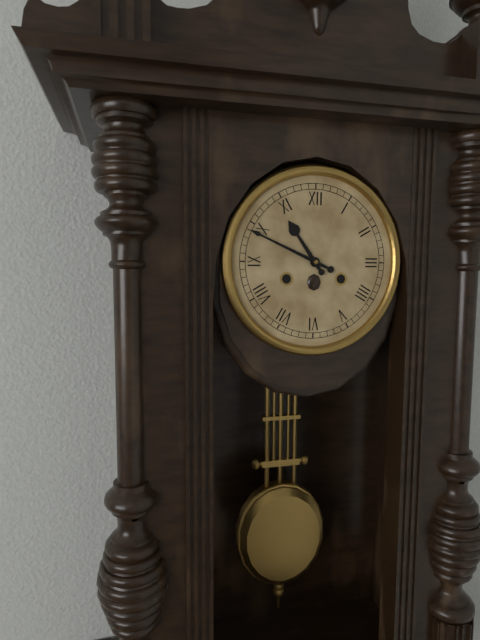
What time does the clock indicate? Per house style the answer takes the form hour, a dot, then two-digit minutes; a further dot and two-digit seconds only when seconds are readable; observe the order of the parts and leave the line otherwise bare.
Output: 10.49
